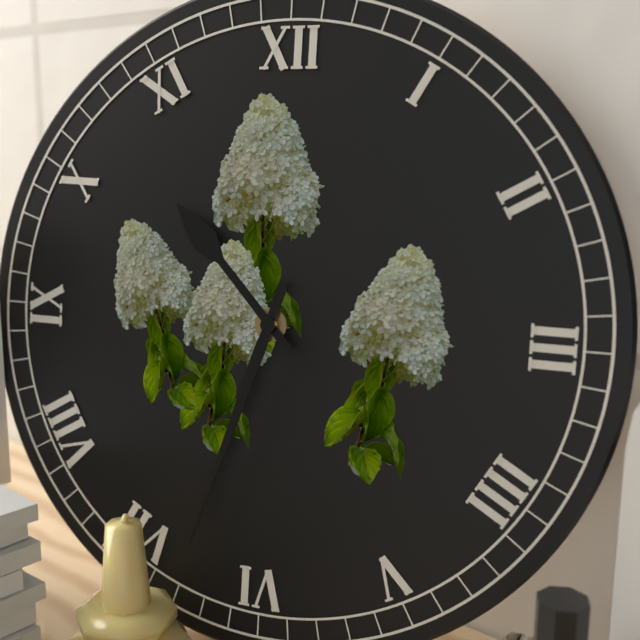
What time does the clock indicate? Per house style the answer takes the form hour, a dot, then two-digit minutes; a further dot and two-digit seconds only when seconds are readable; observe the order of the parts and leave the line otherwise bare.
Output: 10.33
